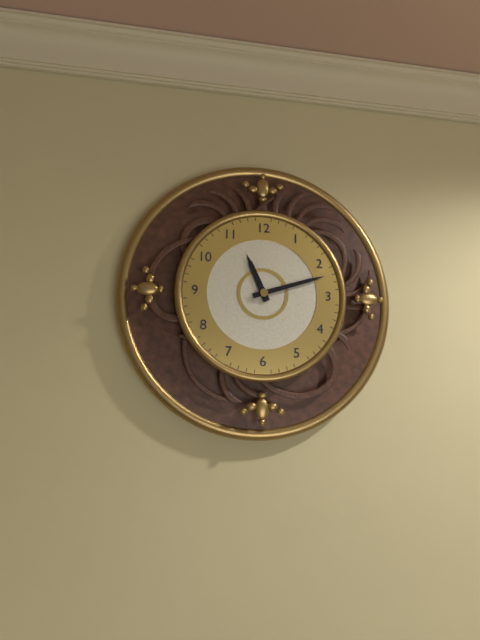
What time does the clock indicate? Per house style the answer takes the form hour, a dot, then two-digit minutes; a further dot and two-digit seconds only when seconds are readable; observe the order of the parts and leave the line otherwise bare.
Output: 11.12
